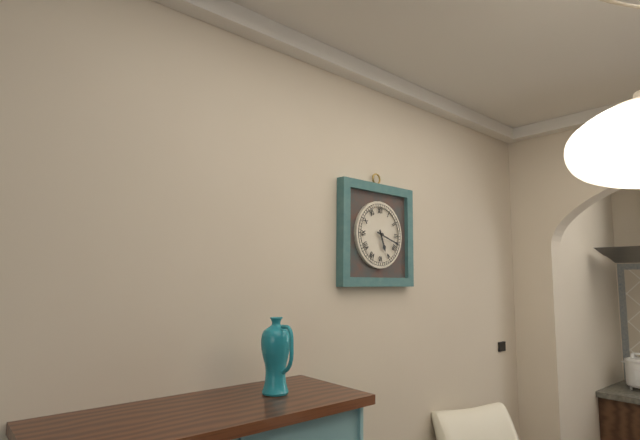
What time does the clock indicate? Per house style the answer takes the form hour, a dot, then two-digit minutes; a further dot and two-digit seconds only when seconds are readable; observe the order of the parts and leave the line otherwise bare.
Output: 5.18
